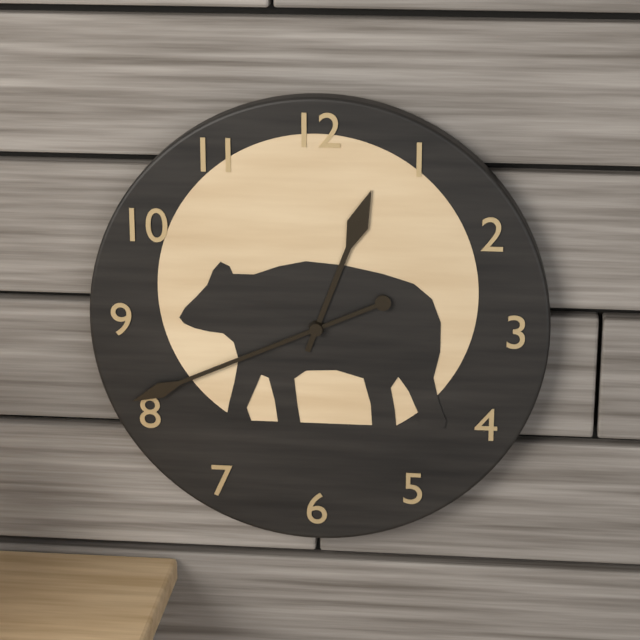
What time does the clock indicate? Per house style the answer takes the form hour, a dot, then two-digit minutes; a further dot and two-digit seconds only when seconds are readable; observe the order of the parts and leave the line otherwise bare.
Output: 12.41
